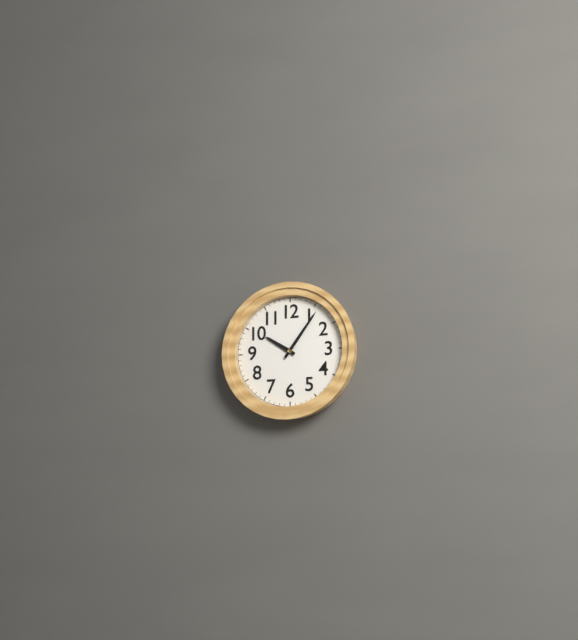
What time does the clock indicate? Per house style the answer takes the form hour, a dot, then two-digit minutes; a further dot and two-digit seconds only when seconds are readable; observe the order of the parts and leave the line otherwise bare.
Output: 10.06
